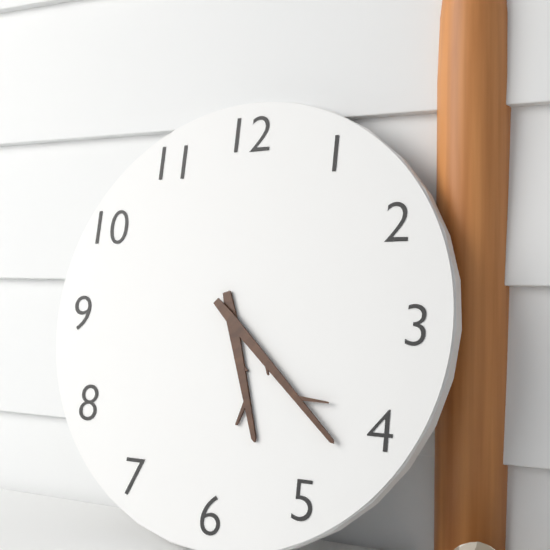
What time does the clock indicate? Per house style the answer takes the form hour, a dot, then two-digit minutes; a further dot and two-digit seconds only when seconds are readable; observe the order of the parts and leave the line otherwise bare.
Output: 5.22
